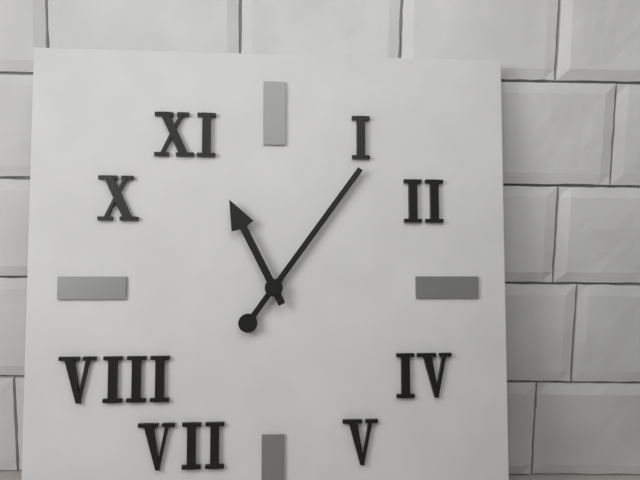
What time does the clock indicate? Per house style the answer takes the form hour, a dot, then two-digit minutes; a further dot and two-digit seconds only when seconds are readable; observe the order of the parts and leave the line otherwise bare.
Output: 11.06
